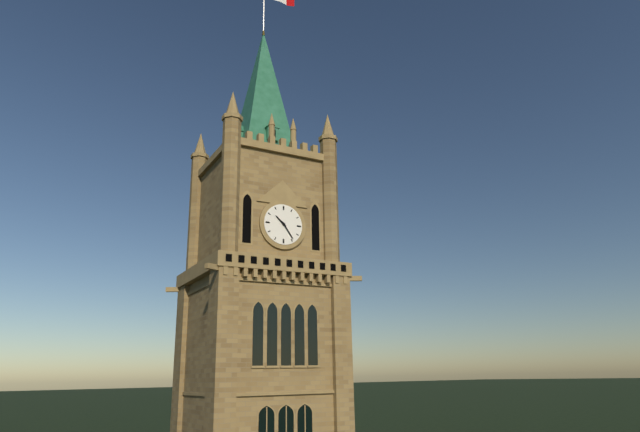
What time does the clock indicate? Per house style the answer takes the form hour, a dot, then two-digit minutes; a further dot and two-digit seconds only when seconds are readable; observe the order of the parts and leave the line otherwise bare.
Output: 10.24
